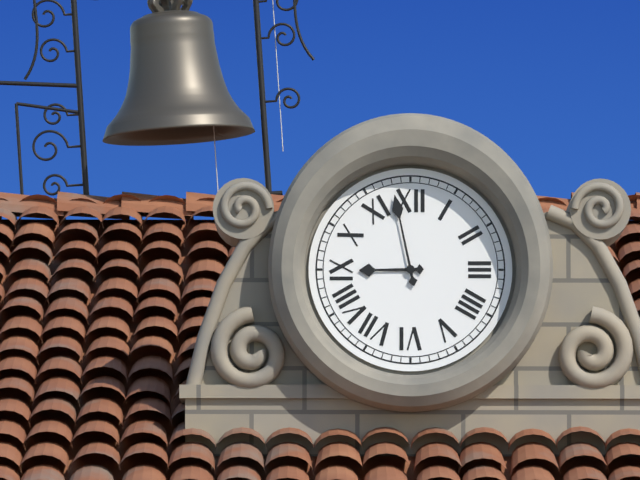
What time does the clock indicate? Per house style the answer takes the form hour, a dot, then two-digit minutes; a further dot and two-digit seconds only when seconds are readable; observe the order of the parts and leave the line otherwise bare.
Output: 8.58
